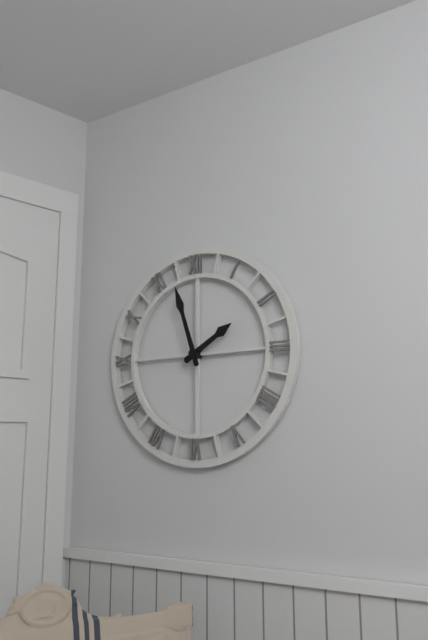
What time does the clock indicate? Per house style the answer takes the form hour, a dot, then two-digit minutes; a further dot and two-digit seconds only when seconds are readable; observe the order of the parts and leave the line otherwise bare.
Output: 1.57
